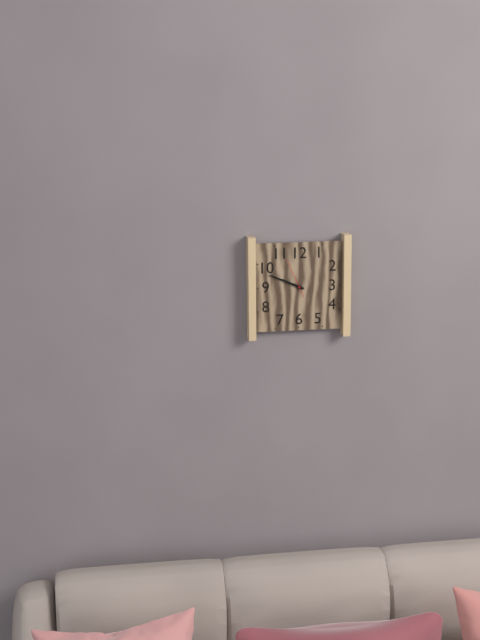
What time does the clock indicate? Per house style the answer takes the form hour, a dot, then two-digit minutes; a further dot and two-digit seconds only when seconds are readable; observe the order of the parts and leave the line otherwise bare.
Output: 9.49
